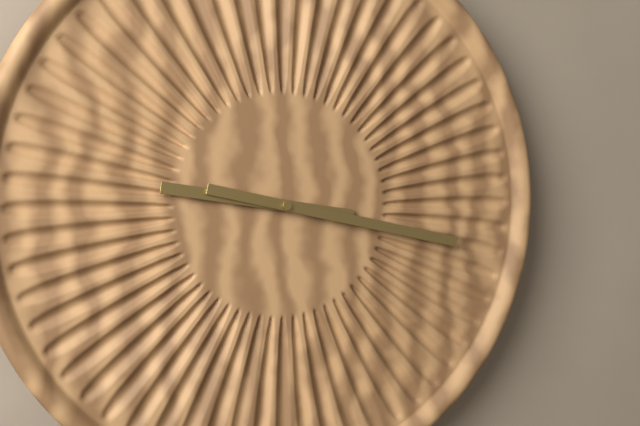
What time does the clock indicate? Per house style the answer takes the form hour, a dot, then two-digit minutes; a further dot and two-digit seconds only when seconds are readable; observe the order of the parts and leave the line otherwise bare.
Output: 9.17
